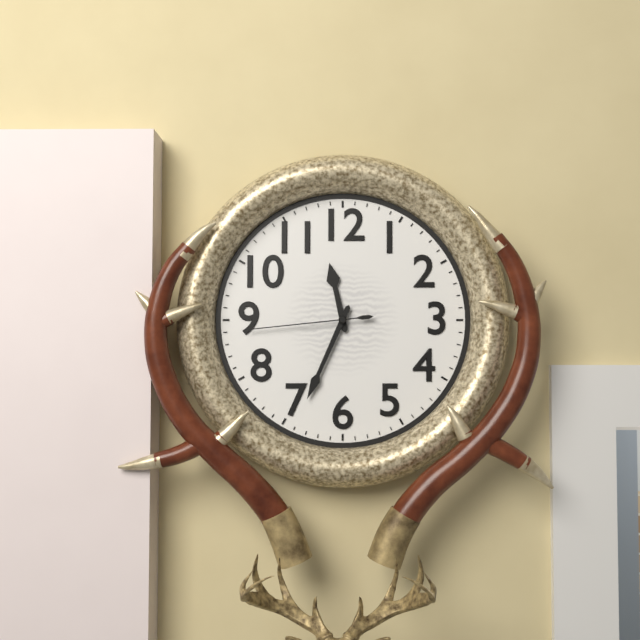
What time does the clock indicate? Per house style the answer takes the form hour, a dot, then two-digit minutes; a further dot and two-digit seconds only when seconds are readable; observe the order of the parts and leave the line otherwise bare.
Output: 11.34.44
